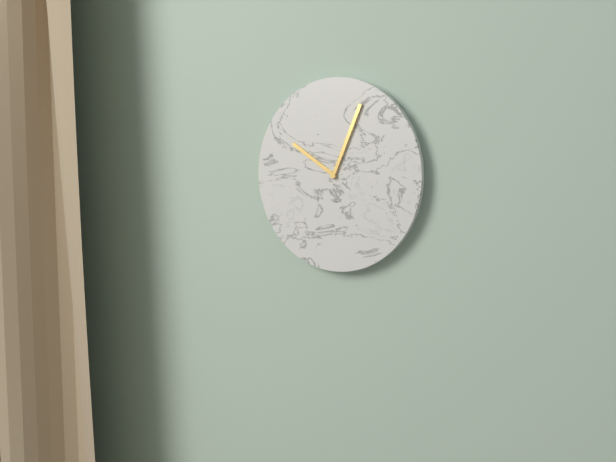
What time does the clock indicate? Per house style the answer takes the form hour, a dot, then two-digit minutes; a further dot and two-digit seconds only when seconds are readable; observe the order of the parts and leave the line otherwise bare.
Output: 10.04
